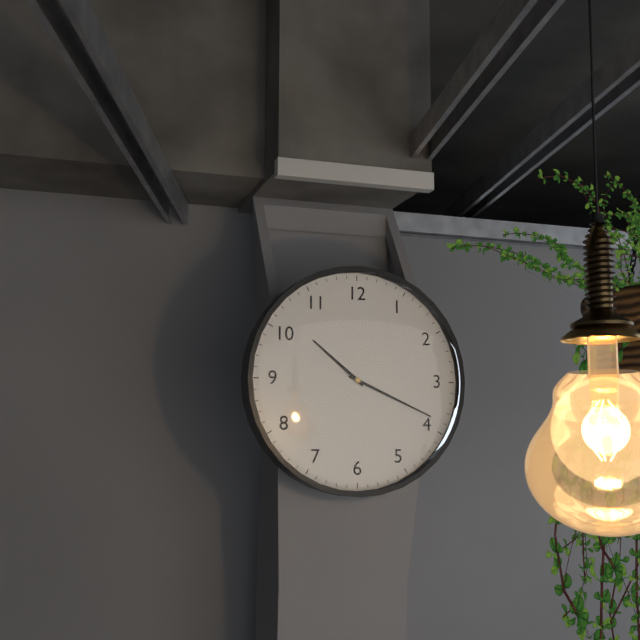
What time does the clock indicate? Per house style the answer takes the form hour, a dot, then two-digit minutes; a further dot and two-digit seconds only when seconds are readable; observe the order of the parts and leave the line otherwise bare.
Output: 10.19
